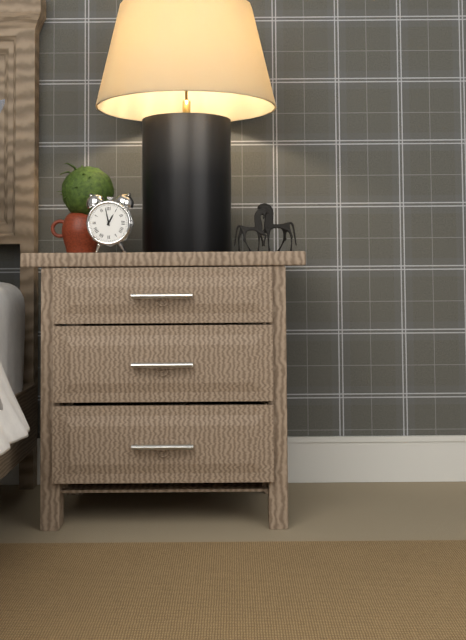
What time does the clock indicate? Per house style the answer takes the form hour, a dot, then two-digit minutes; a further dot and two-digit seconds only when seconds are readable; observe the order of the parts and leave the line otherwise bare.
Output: 12.58
